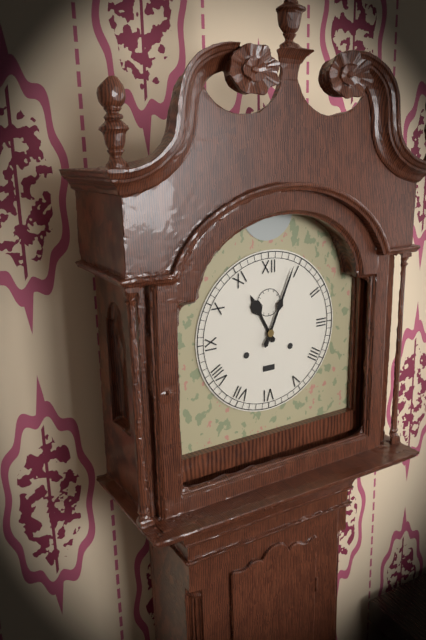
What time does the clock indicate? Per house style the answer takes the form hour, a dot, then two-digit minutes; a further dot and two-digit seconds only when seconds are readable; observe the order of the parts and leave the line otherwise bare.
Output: 11.04
